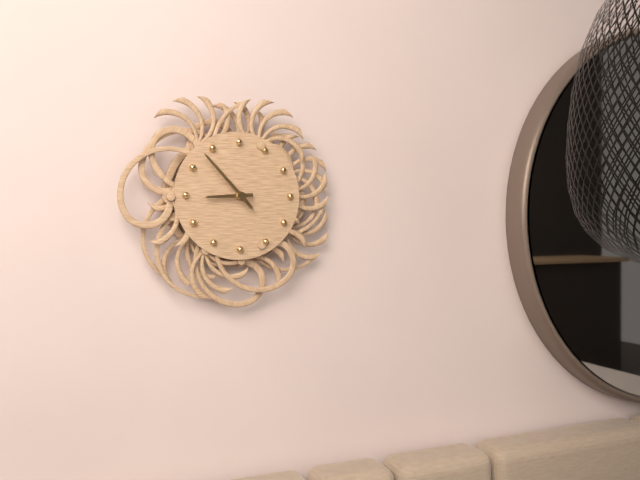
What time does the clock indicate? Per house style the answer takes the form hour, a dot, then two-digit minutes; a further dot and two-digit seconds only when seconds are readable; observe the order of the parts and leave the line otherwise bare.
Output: 8.53
